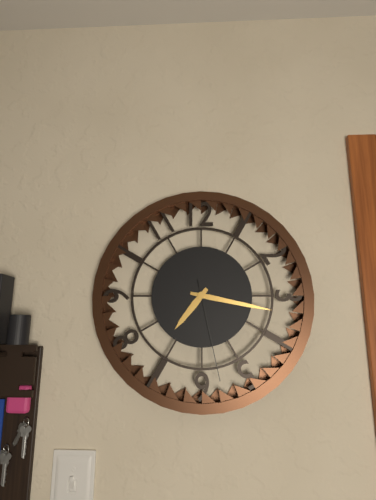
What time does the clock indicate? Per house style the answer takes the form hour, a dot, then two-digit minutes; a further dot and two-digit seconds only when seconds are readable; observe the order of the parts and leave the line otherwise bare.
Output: 7.17.28
